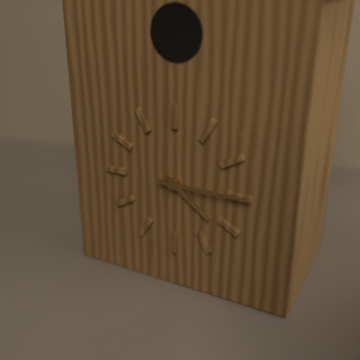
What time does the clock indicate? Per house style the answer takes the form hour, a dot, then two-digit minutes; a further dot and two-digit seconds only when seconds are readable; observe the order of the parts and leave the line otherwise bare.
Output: 4.15
